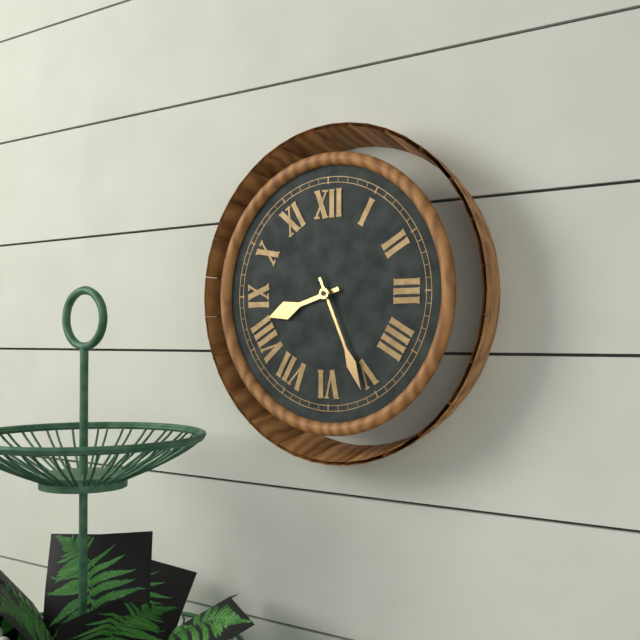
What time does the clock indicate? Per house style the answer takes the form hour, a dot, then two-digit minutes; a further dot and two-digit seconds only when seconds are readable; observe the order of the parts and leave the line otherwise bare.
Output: 8.26
